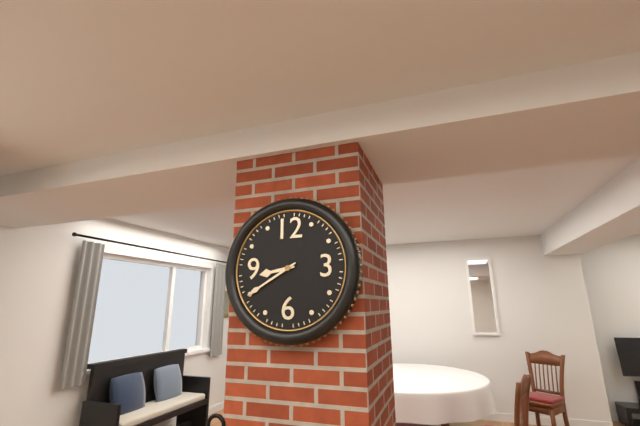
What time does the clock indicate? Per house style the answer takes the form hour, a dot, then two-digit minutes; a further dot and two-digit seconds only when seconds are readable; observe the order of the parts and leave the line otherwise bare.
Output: 8.40
